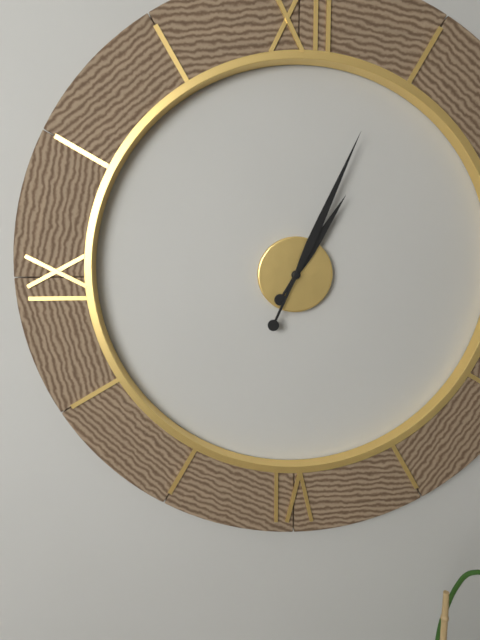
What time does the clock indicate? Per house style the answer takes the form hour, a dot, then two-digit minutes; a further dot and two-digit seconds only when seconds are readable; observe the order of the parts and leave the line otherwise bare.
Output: 1.04
